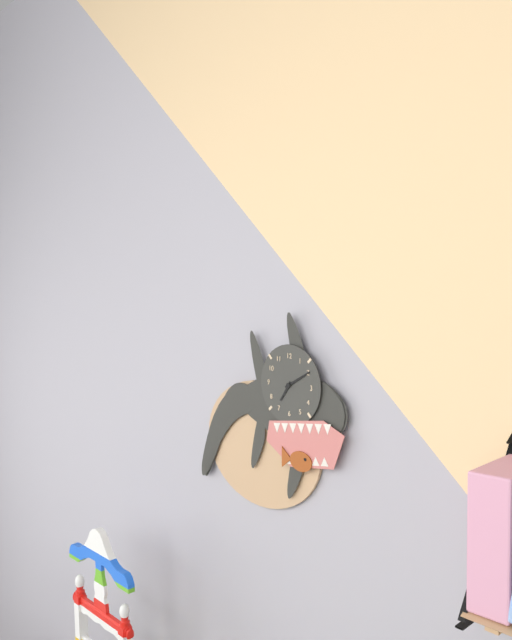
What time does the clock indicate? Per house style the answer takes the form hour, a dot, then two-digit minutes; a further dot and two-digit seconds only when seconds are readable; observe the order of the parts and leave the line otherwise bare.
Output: 7.10
